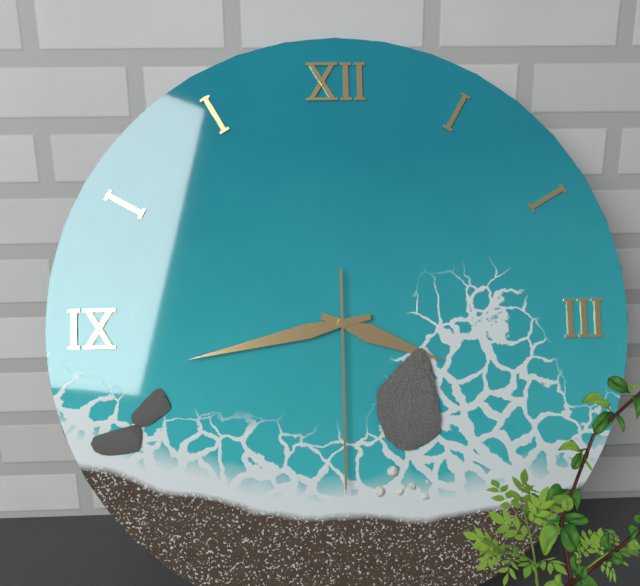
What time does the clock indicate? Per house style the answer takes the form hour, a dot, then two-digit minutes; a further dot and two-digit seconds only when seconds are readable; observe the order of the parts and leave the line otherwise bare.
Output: 3.43.30
